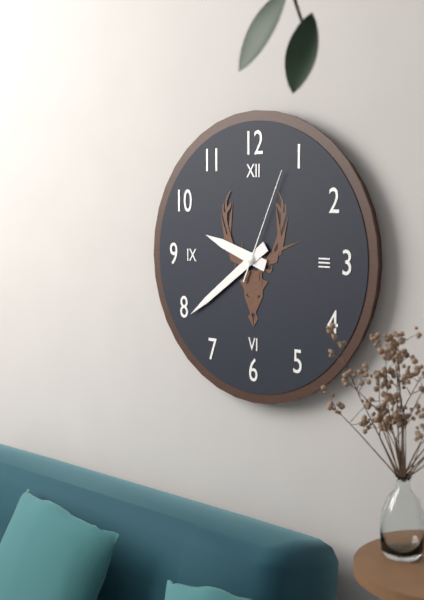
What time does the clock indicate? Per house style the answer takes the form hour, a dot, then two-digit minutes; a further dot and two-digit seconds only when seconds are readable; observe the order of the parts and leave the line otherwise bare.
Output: 9.39.04
